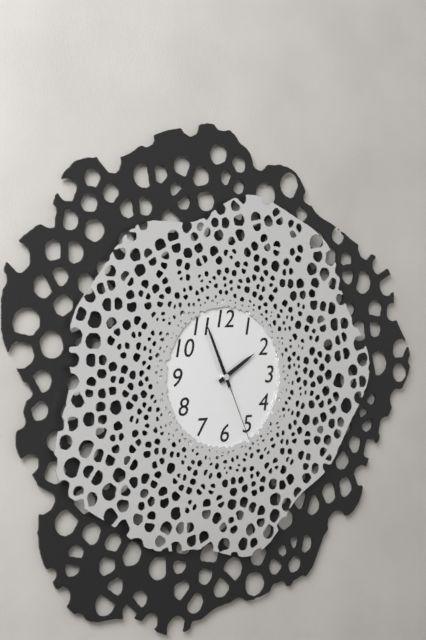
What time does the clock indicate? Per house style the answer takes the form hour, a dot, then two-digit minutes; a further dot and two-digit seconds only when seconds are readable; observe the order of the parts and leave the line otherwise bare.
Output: 1.56.26
